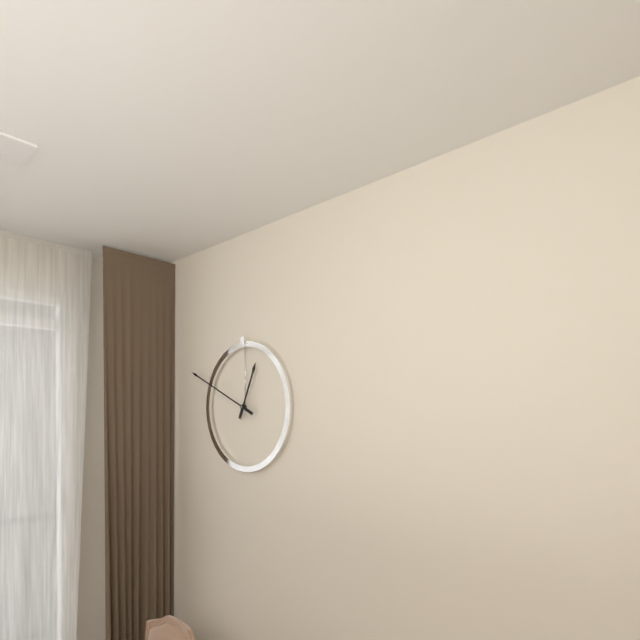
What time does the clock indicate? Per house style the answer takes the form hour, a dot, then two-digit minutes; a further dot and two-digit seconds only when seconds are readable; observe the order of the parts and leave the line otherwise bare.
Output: 12.49
